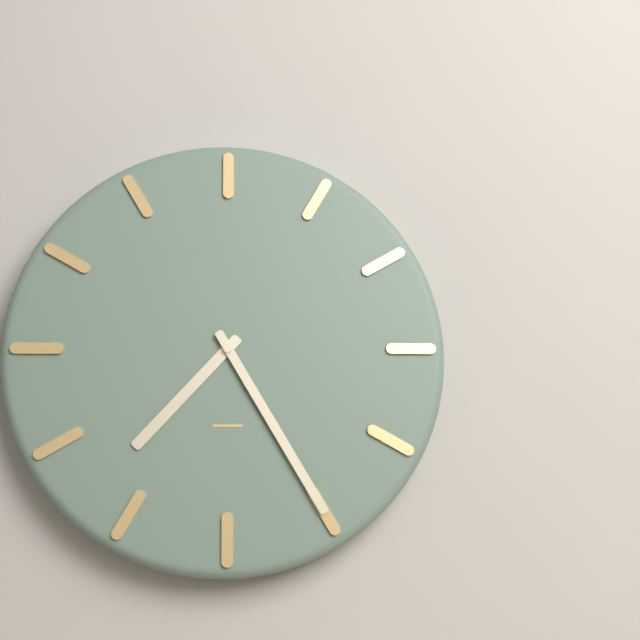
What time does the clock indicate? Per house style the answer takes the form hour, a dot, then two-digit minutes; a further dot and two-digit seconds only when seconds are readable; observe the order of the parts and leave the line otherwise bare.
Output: 7.25
